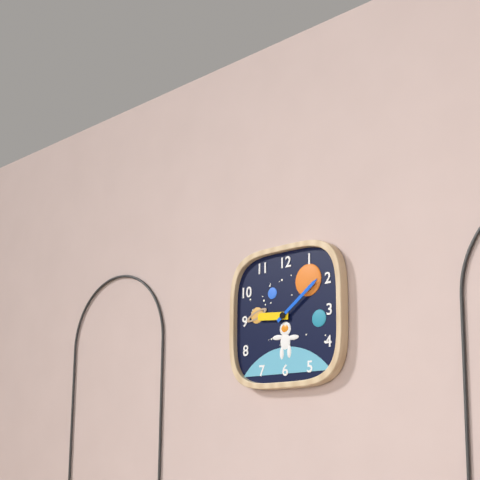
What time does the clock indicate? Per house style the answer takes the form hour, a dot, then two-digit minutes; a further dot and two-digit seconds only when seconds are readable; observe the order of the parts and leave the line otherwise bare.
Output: 9.09
